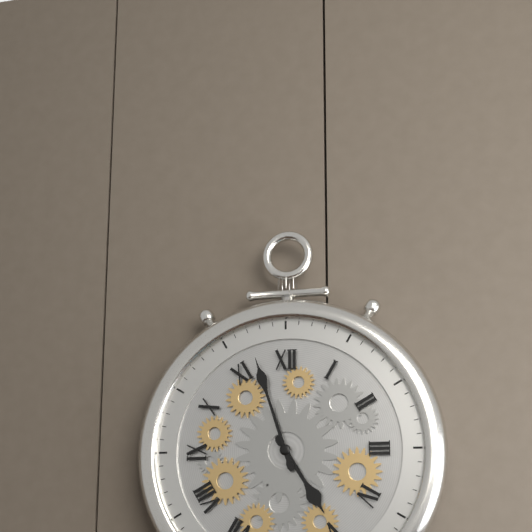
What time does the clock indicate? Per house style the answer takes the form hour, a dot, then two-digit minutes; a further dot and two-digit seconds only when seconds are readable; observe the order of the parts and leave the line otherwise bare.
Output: 4.57
